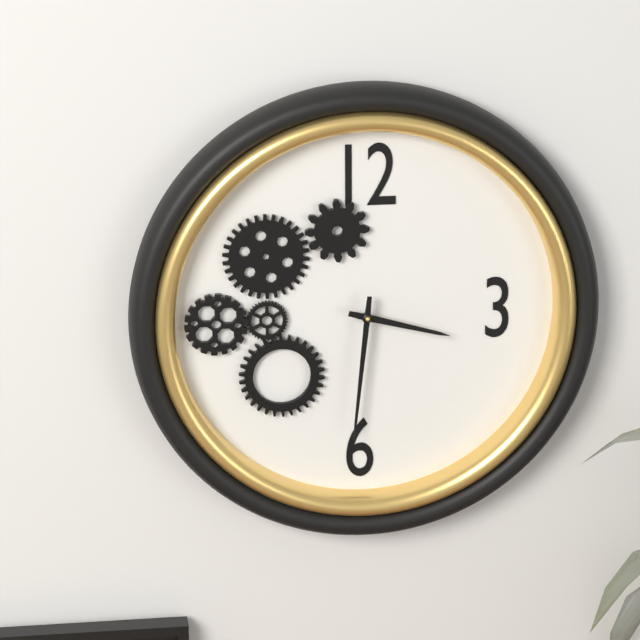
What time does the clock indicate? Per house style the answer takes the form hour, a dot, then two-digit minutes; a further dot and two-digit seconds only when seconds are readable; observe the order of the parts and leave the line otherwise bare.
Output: 3.31
